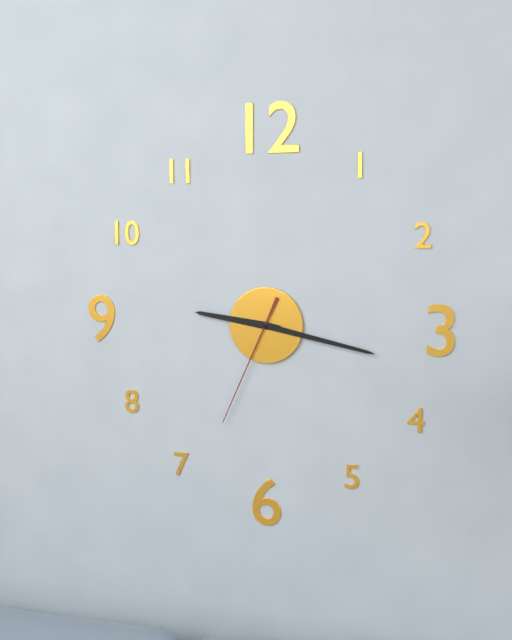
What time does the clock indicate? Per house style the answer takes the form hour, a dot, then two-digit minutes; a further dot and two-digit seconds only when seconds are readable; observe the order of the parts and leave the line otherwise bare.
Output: 9.17.34
